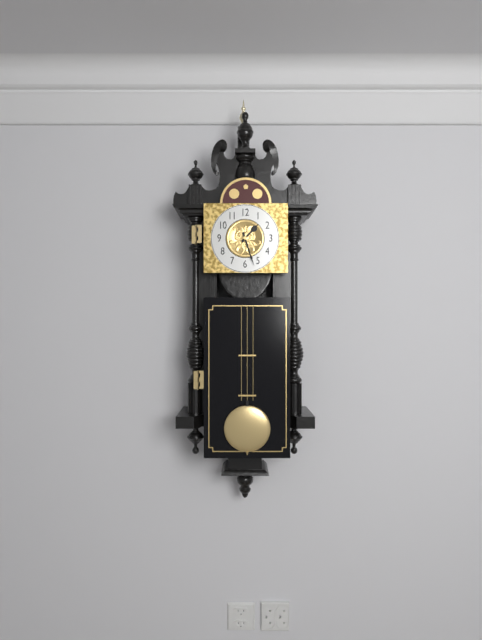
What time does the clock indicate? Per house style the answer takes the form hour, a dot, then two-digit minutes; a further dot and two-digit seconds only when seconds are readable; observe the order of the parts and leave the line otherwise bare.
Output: 1.27
